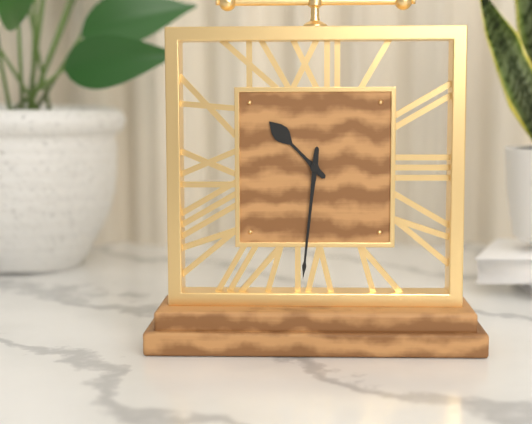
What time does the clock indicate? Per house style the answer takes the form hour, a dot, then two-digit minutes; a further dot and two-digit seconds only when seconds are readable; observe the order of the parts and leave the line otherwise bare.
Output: 10.31
